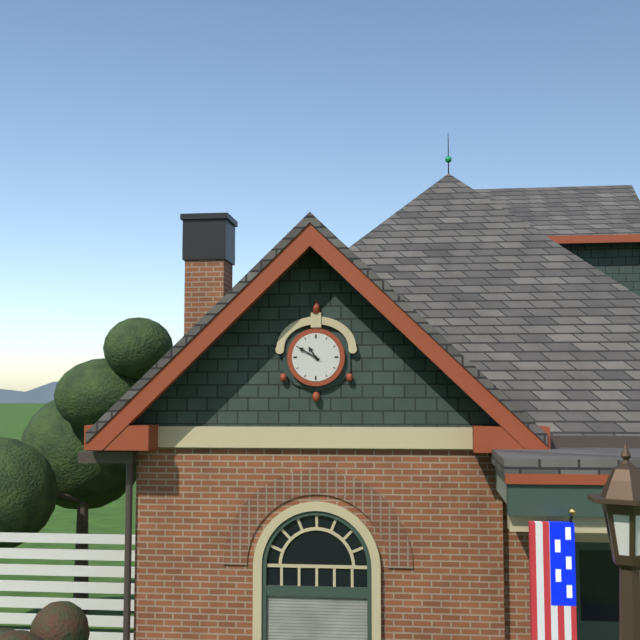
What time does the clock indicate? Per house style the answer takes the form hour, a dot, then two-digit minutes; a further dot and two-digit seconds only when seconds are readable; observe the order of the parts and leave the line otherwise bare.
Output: 10.50
